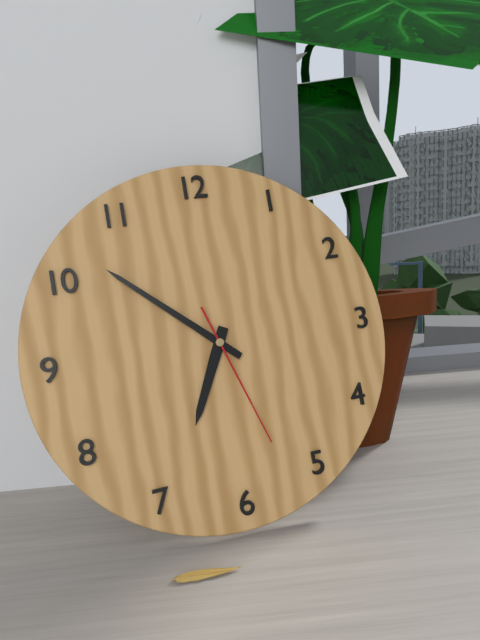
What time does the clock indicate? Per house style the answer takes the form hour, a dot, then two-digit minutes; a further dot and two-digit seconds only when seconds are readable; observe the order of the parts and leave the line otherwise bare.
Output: 6.52.27
